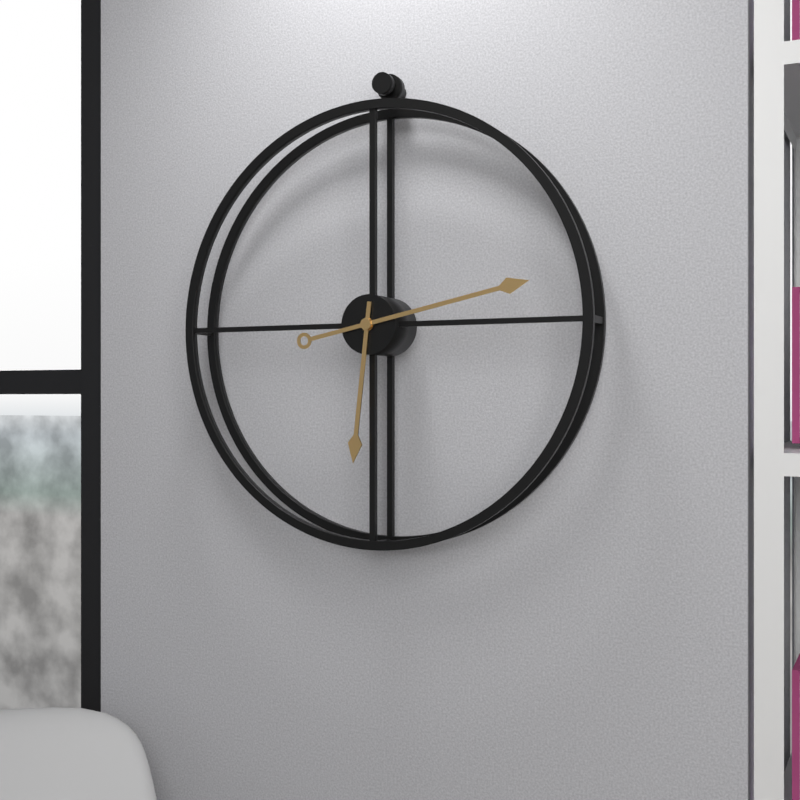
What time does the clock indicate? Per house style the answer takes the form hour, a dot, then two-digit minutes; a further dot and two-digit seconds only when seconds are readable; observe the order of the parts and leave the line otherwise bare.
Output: 6.13
